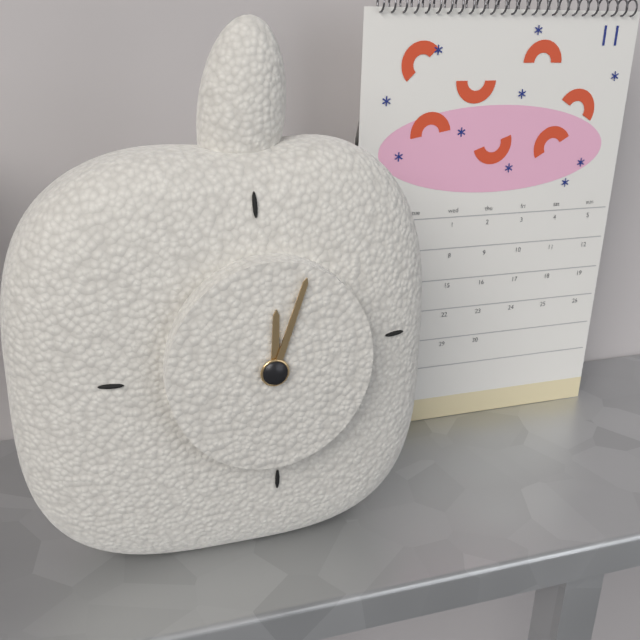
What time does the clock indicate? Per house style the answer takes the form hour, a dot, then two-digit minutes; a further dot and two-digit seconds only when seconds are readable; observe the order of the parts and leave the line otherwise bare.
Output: 12.03
